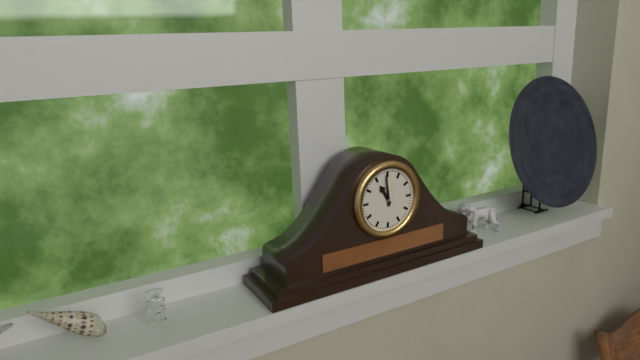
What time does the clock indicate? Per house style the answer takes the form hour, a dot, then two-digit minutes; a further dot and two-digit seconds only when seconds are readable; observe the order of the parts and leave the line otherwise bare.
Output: 10.59
